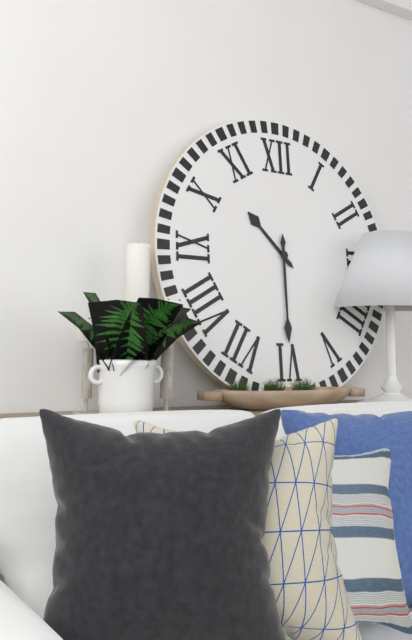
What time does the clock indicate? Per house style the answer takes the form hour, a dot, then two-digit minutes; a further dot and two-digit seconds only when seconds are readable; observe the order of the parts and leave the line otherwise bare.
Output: 10.30
